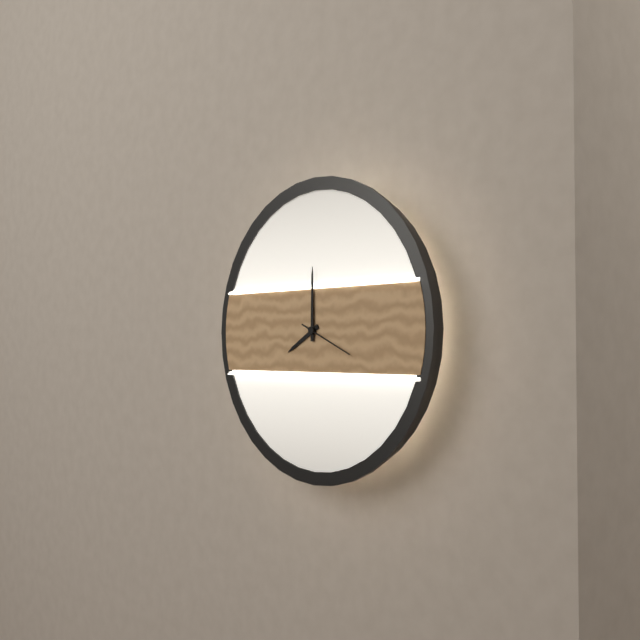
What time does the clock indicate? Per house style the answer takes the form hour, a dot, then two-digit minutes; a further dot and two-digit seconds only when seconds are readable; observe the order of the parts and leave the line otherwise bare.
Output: 8.00.19
